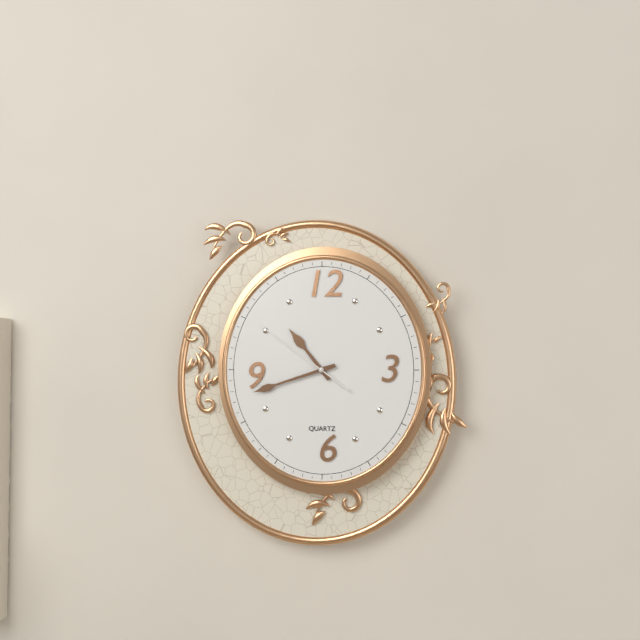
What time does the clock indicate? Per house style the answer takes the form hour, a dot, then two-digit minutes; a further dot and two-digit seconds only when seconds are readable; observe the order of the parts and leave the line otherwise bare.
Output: 10.42.51
